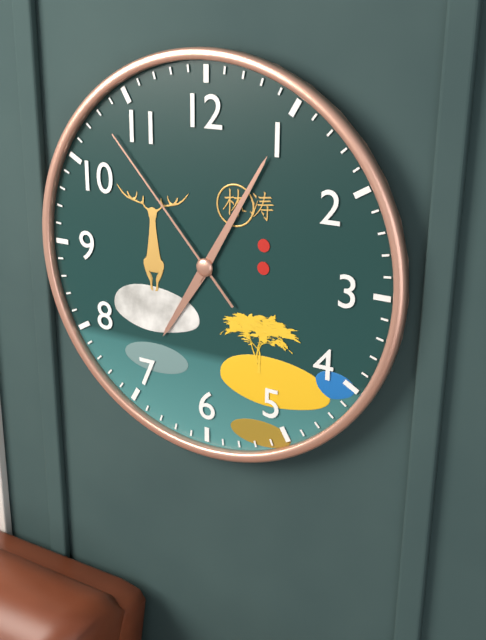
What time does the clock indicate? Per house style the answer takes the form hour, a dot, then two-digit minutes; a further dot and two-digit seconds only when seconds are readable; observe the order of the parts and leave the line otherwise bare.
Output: 7.05.53
